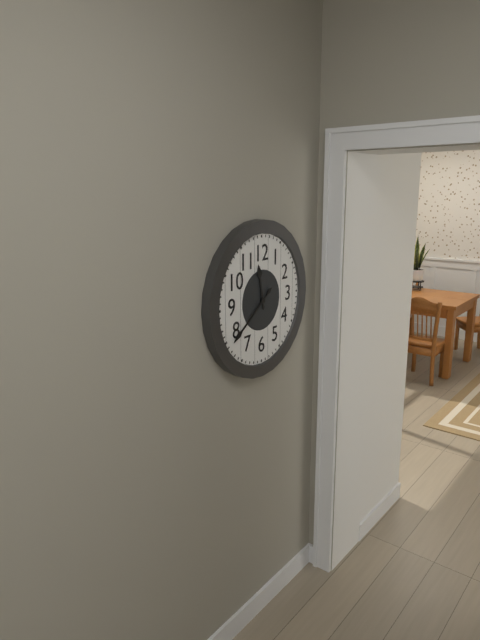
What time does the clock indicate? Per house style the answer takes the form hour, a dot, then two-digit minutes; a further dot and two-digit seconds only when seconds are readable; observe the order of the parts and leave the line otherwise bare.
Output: 11.39
